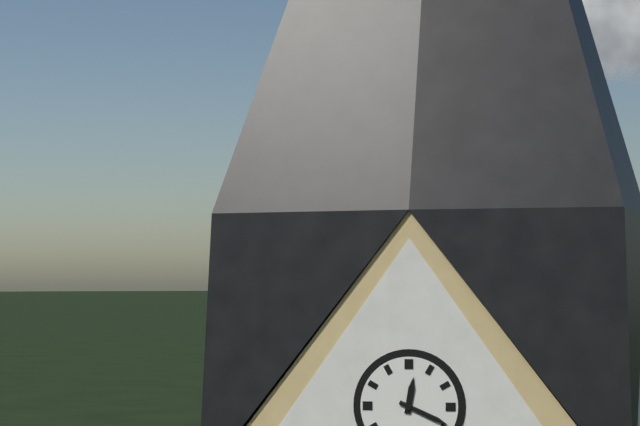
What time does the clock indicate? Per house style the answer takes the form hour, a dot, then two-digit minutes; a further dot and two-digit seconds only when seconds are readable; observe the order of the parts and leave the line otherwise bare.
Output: 12.19
